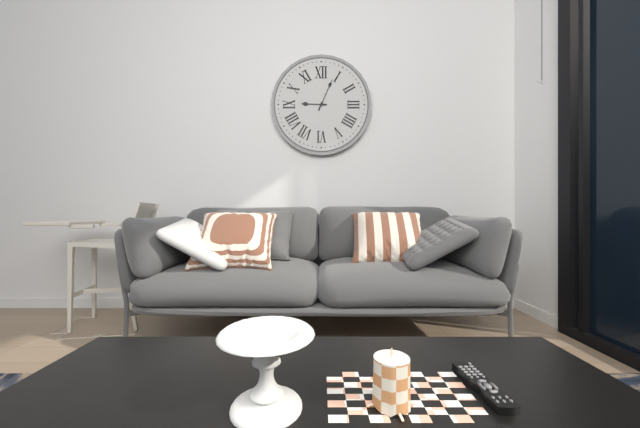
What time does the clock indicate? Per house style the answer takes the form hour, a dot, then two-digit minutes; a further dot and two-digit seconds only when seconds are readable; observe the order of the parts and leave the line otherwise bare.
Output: 9.04
